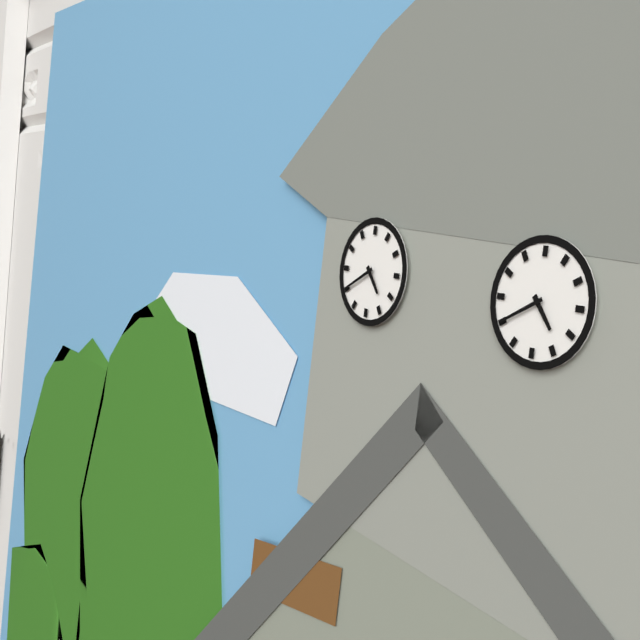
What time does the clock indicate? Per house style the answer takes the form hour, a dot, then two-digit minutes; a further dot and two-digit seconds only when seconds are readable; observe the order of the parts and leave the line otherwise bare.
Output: 4.40
